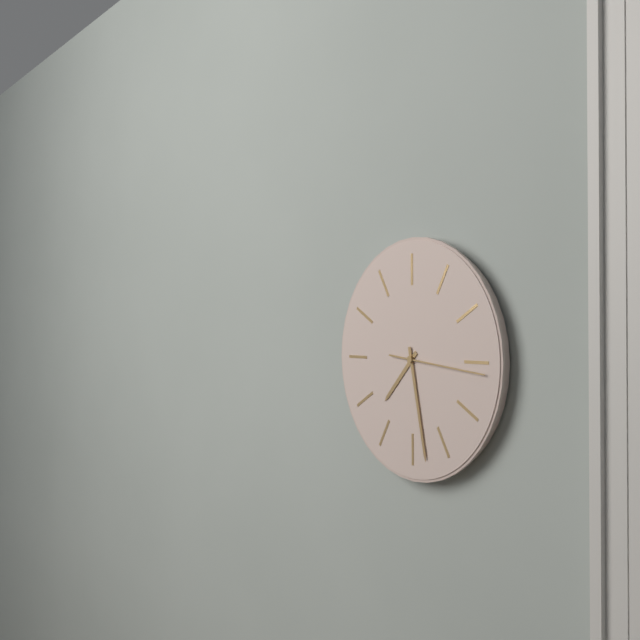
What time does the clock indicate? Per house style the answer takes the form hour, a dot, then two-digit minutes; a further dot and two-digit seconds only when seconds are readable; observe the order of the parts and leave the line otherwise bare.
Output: 7.28.16
